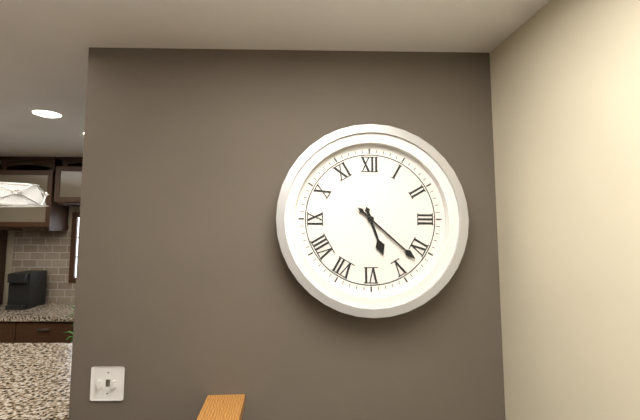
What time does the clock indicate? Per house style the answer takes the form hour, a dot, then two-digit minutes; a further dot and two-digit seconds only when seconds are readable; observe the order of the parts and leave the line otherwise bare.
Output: 5.22
